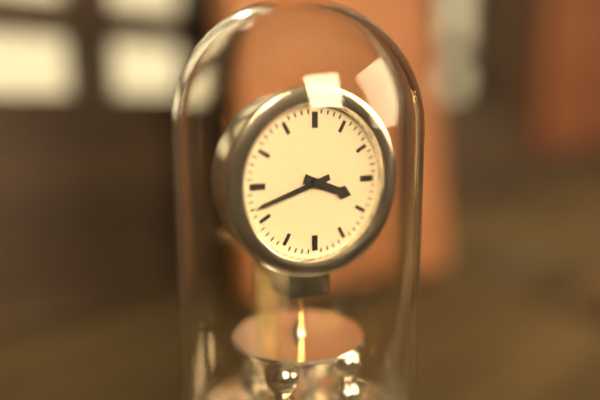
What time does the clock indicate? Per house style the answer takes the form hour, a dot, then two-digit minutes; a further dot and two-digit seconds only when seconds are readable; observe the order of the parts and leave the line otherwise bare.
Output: 3.42
